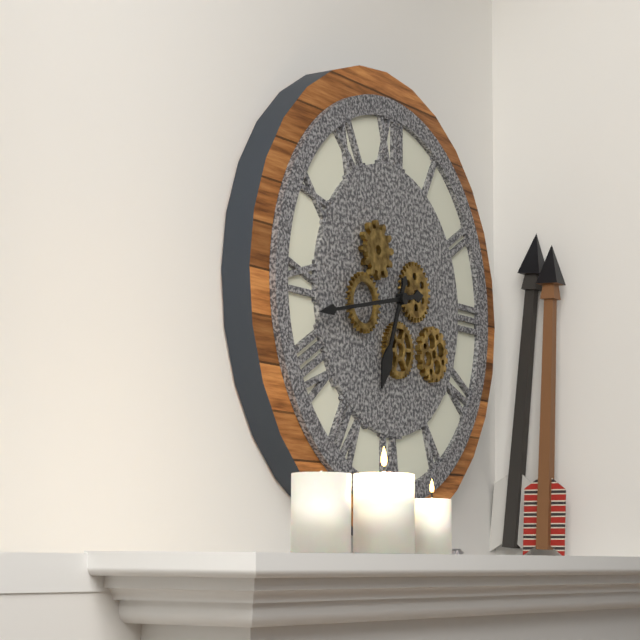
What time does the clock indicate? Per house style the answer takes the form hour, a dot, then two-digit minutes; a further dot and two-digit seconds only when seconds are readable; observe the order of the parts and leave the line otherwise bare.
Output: 6.43
